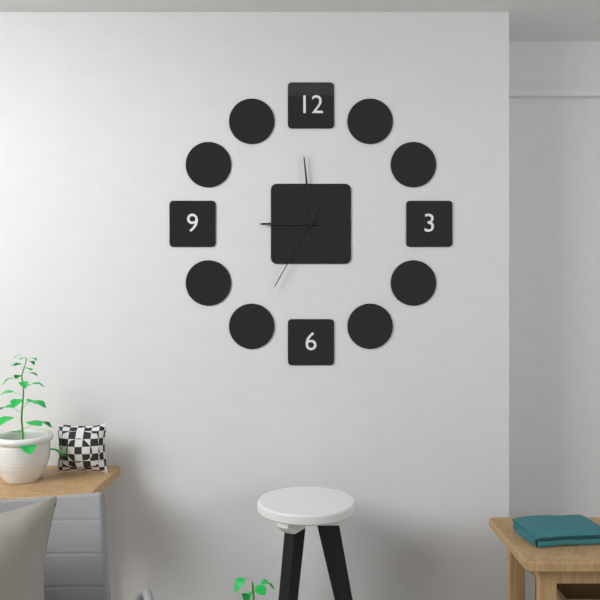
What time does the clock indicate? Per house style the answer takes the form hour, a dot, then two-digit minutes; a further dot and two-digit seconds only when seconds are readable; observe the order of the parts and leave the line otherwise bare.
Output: 8.59.35
